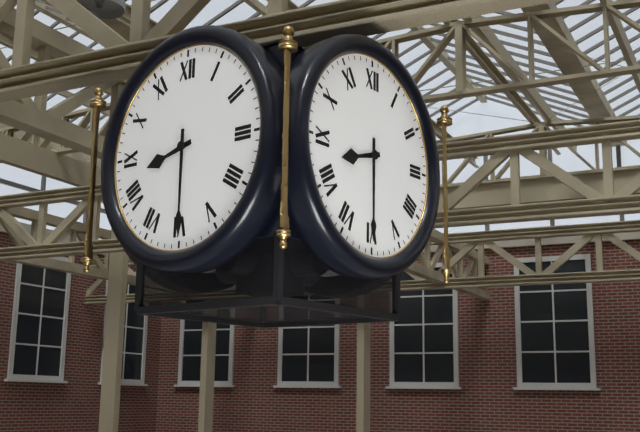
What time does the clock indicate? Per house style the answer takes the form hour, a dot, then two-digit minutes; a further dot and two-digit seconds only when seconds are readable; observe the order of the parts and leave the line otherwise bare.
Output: 8.30
